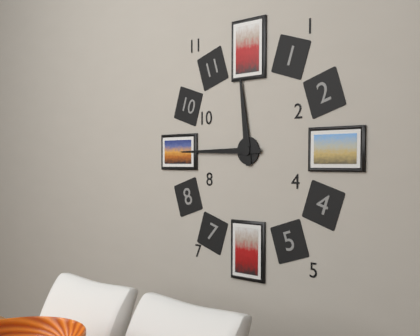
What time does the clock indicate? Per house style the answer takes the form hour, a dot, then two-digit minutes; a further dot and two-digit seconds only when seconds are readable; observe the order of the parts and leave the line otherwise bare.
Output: 11.45
